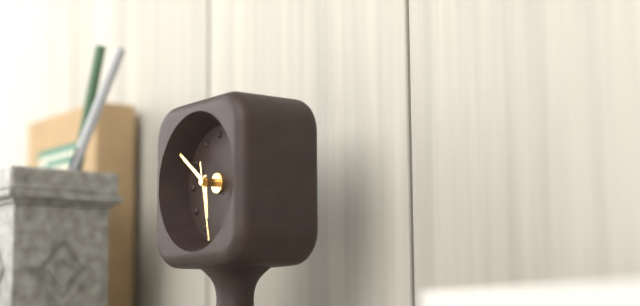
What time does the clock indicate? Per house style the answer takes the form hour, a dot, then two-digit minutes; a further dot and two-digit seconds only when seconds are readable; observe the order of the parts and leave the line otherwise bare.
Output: 5.51.28
